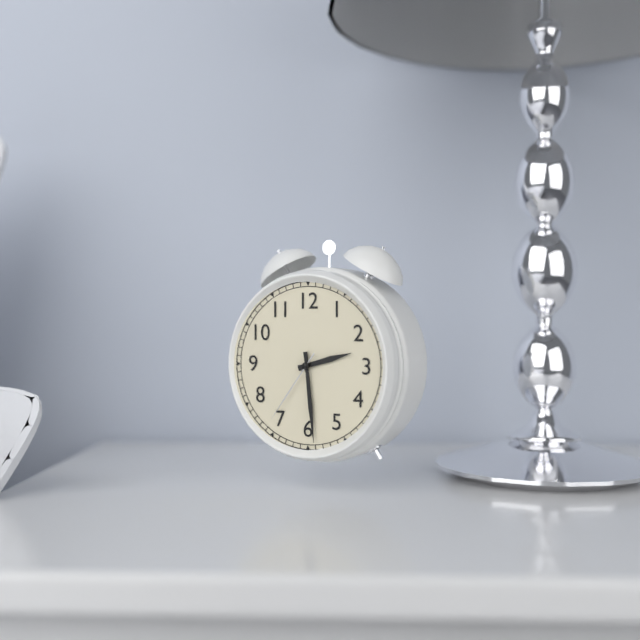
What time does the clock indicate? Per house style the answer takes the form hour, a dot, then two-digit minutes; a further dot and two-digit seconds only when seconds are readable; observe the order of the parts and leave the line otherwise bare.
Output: 2.29.36
